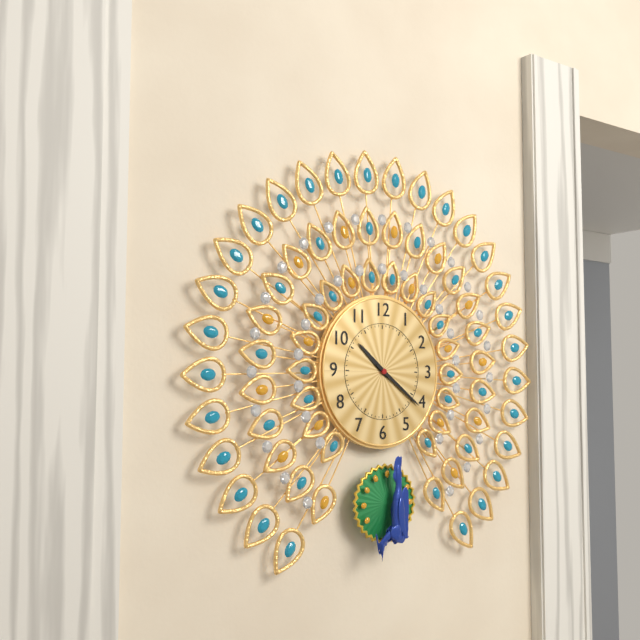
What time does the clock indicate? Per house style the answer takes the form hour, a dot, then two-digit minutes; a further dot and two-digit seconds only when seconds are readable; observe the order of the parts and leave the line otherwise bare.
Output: 10.21
